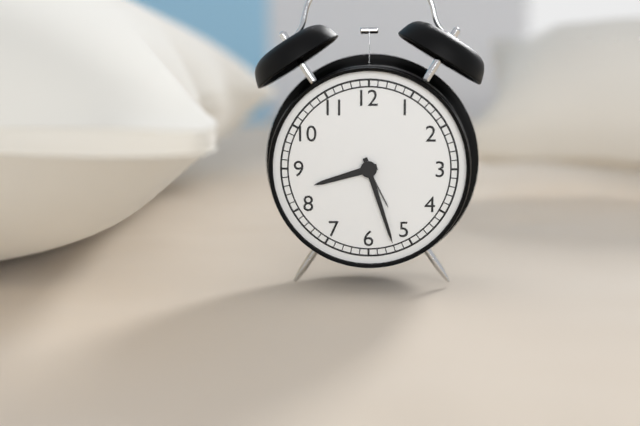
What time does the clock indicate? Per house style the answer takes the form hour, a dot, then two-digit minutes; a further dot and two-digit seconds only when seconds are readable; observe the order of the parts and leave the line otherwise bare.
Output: 8.27
